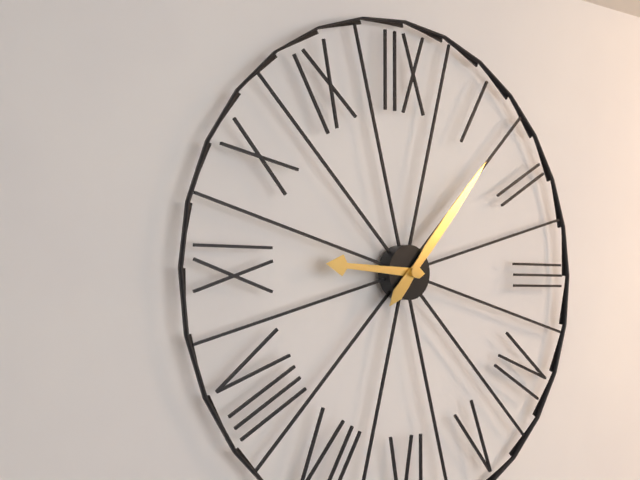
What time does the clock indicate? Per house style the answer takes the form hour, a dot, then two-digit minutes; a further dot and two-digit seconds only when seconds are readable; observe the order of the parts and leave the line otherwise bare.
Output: 9.07
